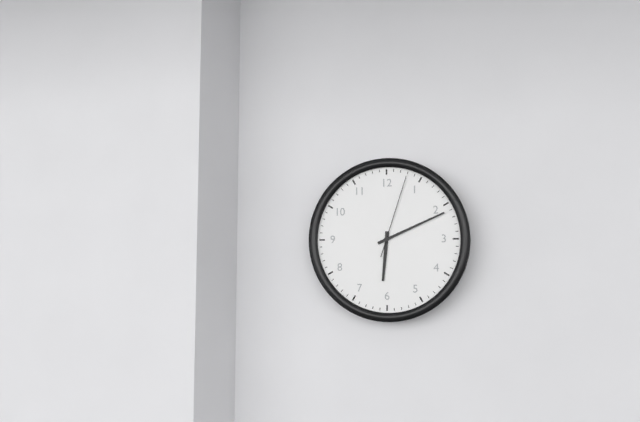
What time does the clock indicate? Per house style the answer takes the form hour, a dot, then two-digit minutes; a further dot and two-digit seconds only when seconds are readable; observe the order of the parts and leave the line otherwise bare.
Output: 6.11.03
